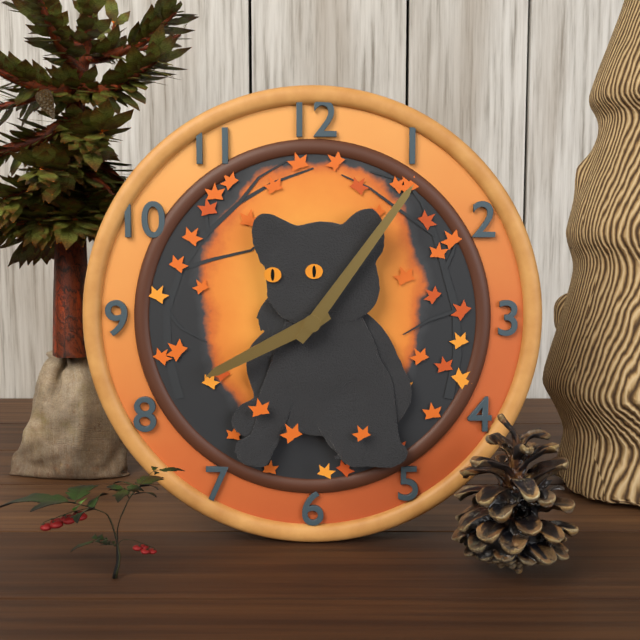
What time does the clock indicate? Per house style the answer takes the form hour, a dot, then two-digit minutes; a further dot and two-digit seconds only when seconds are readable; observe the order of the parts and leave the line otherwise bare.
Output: 8.06
